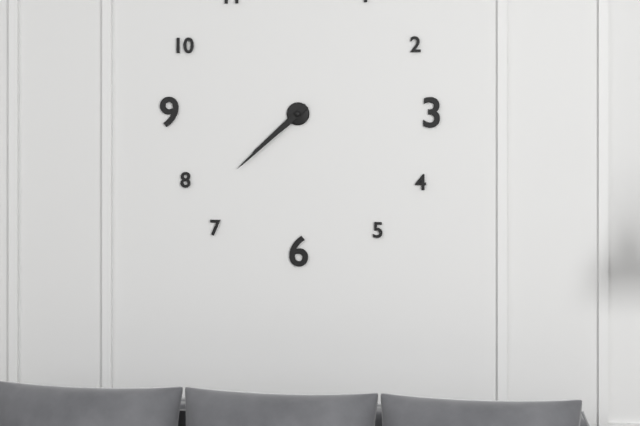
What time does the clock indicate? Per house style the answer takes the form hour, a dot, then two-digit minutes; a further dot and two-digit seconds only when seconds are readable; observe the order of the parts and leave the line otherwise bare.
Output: 7.38
